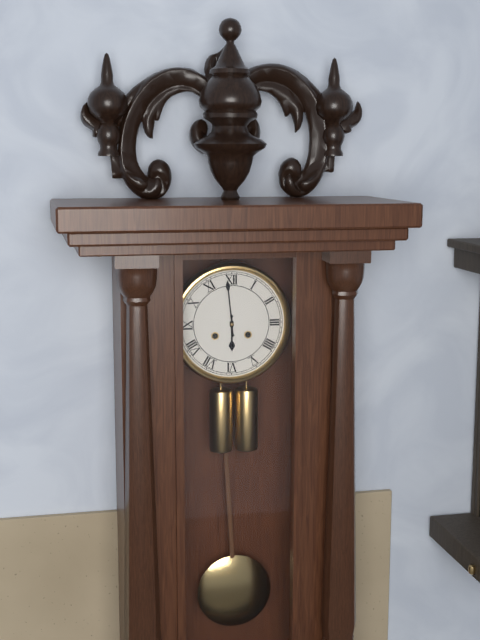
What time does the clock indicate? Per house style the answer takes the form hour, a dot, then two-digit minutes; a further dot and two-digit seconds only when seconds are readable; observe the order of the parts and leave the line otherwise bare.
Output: 5.59
